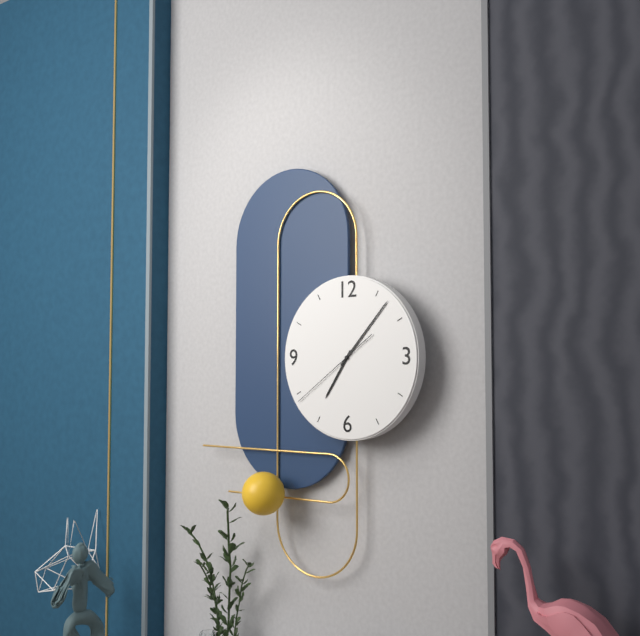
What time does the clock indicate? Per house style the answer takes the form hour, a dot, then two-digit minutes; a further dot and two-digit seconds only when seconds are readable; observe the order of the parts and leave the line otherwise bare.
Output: 7.07.39
